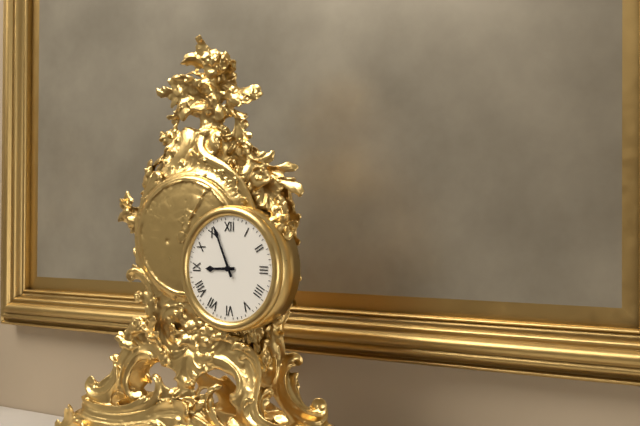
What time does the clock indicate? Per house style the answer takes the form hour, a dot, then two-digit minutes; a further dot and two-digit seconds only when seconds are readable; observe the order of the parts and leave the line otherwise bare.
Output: 8.56
